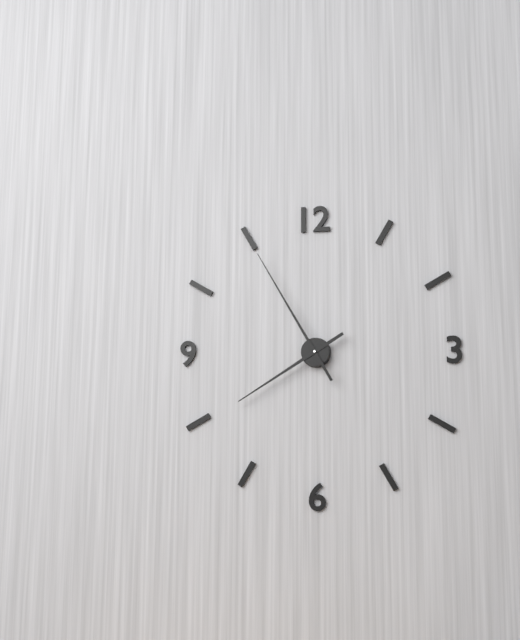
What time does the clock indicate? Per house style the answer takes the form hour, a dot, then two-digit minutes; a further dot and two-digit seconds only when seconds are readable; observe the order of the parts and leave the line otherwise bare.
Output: 7.55
